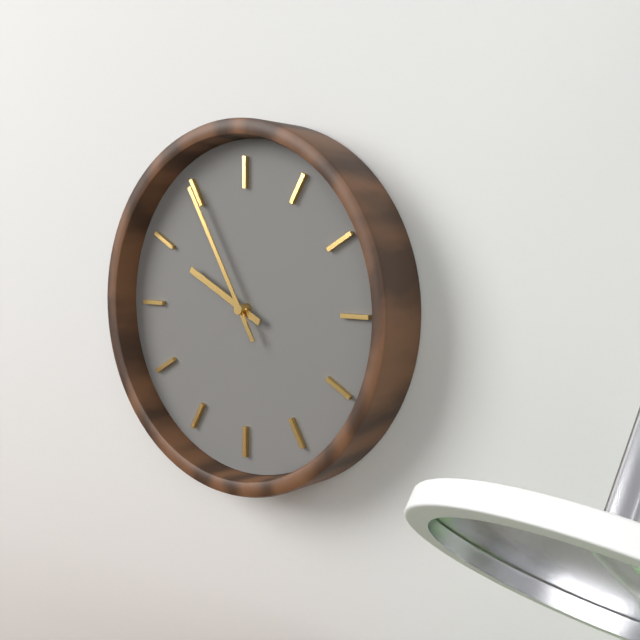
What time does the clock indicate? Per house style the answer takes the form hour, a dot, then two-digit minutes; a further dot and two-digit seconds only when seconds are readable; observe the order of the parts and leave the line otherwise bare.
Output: 9.55
